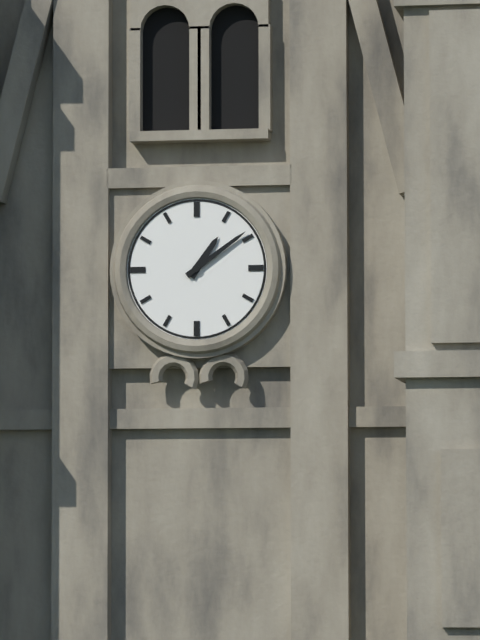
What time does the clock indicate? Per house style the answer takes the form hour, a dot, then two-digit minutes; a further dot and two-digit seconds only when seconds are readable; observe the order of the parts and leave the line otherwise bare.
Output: 1.09
